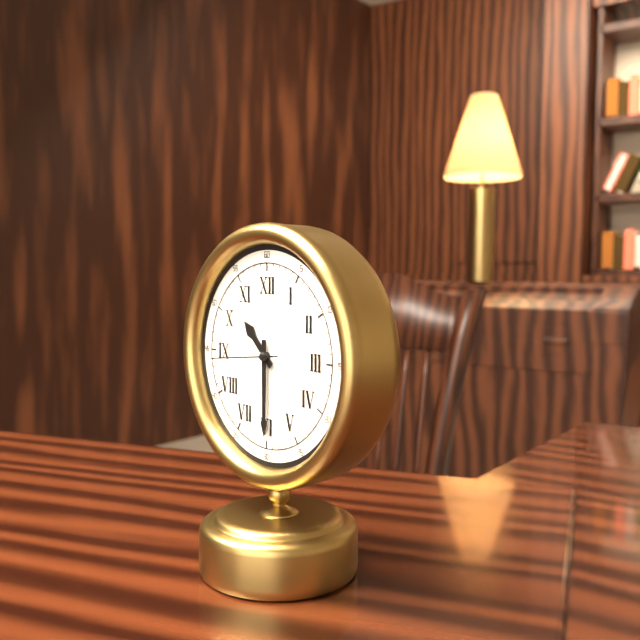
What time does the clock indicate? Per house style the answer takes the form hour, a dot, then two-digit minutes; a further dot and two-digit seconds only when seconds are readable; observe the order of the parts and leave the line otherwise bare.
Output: 10.30.44
